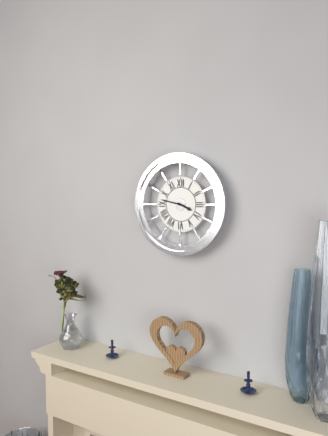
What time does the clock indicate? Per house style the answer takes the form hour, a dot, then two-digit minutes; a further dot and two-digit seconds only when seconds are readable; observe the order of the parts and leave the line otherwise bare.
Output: 3.47
